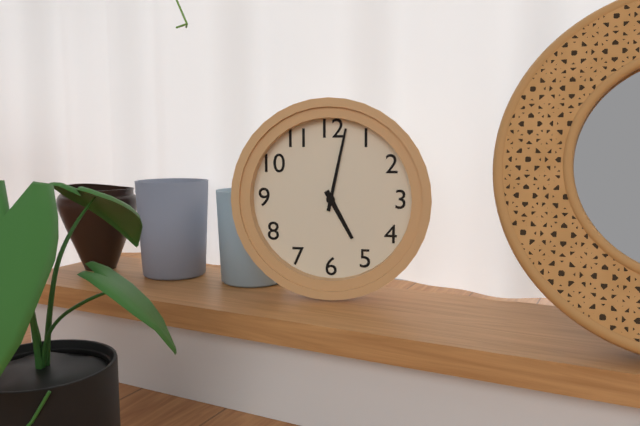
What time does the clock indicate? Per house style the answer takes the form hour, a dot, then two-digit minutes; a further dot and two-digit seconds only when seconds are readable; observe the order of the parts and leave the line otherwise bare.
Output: 5.02
